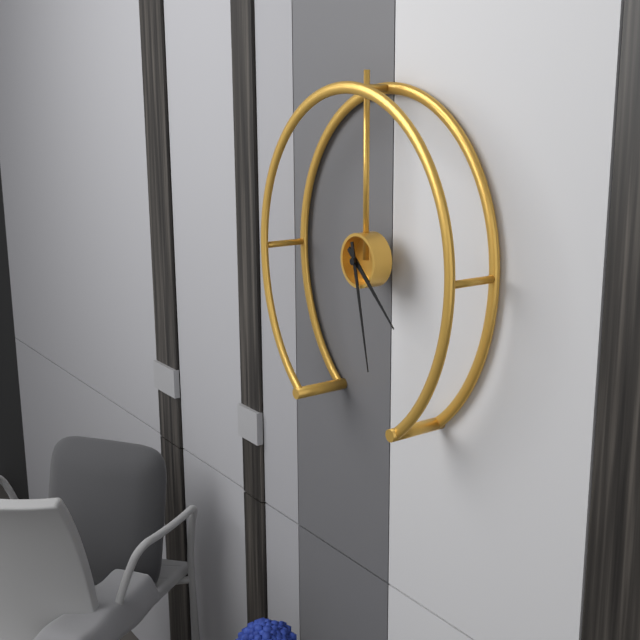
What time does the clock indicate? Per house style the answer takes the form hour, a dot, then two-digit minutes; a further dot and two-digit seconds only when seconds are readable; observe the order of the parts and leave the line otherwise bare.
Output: 4.28
